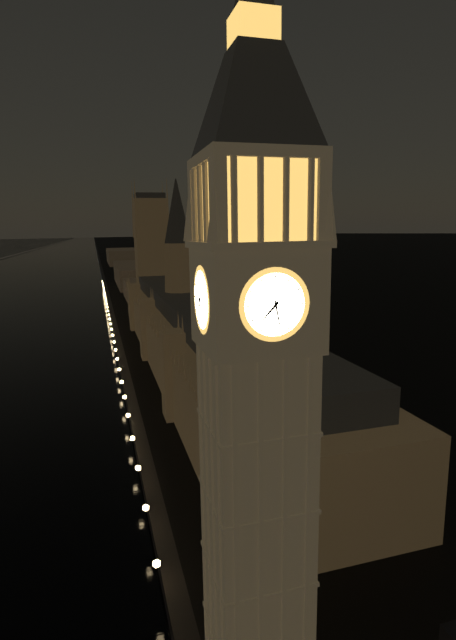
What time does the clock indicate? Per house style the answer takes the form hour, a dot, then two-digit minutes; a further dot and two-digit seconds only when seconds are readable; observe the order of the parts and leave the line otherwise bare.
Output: 7.28
